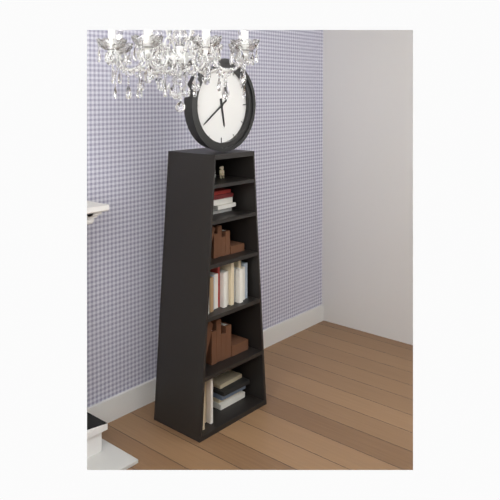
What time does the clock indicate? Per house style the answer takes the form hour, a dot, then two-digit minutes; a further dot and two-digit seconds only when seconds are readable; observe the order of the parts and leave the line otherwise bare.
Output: 5.39
